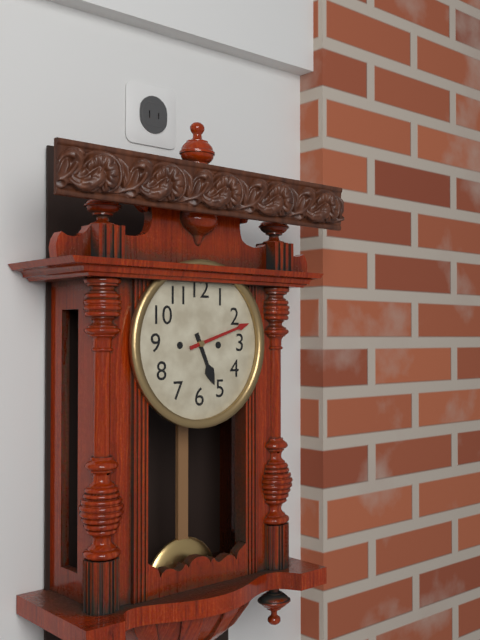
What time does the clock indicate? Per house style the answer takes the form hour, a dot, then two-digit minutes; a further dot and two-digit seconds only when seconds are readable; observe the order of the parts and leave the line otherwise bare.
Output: 5.12
